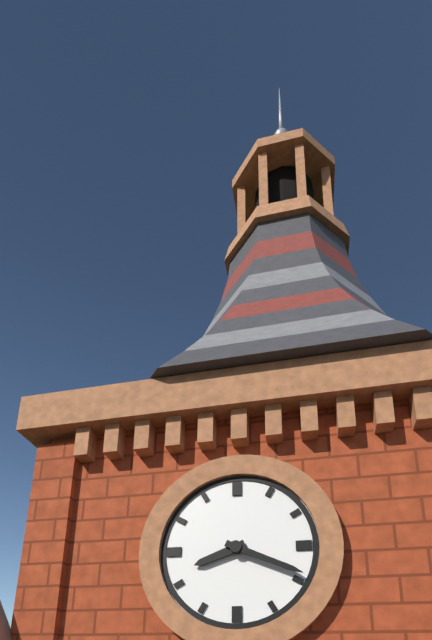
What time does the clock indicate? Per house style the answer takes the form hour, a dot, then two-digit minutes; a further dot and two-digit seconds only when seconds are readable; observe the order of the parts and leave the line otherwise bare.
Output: 8.19
